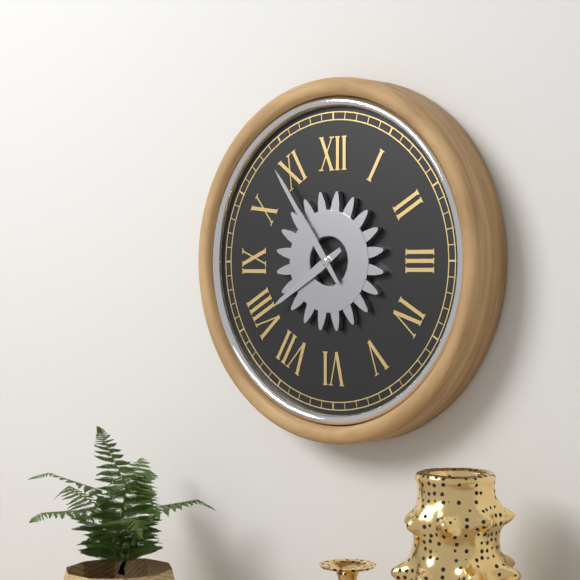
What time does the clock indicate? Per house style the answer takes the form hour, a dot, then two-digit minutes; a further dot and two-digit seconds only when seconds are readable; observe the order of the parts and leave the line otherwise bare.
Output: 7.54
